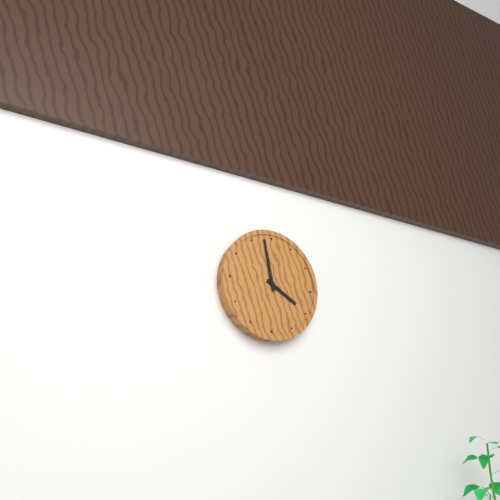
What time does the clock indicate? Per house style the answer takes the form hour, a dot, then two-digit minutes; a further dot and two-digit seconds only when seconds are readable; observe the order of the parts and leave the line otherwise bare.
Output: 3.58
